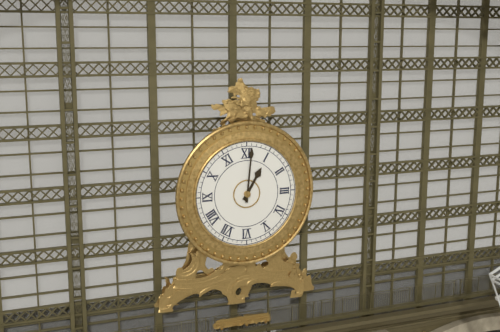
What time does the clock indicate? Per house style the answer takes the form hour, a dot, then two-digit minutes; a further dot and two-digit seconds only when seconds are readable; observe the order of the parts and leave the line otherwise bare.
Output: 1.01
